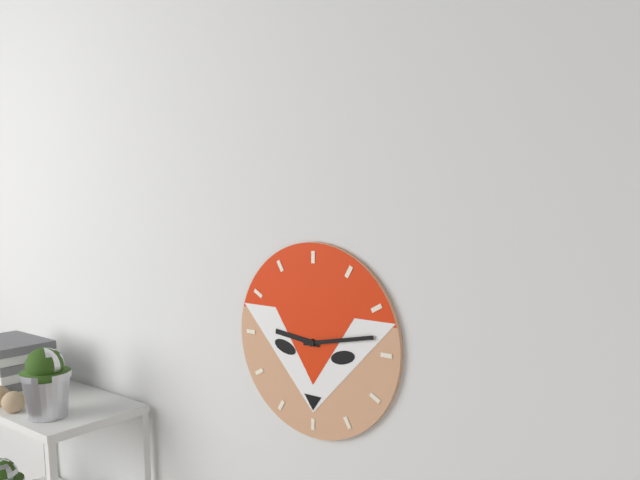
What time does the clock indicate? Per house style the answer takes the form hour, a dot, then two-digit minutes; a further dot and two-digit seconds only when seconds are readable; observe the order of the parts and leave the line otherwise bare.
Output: 9.13
